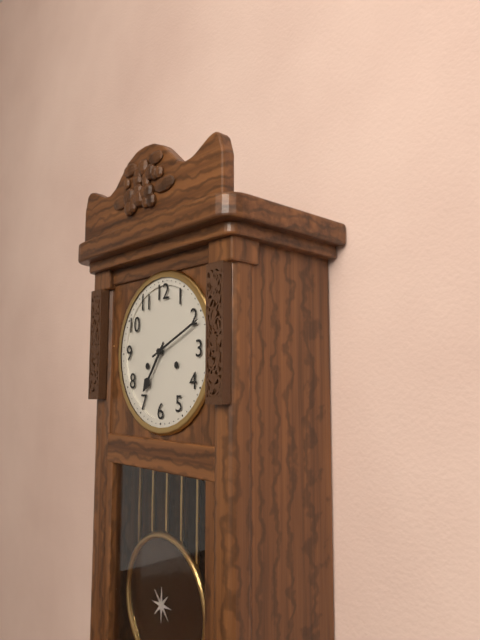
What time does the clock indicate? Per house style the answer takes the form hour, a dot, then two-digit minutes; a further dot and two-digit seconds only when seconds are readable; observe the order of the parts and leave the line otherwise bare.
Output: 7.11
